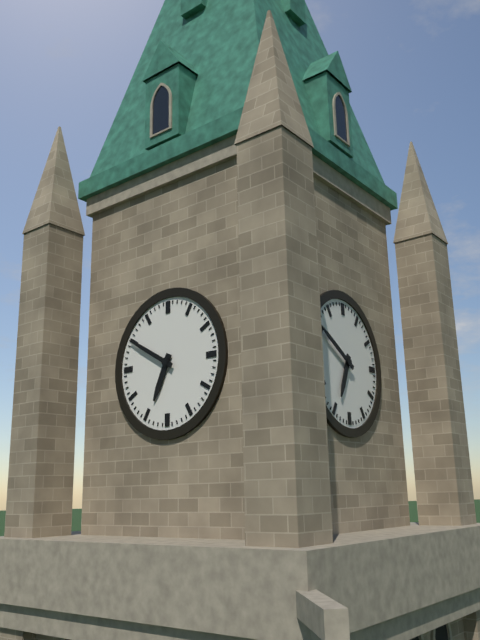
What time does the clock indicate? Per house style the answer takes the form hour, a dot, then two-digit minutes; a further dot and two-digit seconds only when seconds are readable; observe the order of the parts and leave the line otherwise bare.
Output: 6.50
